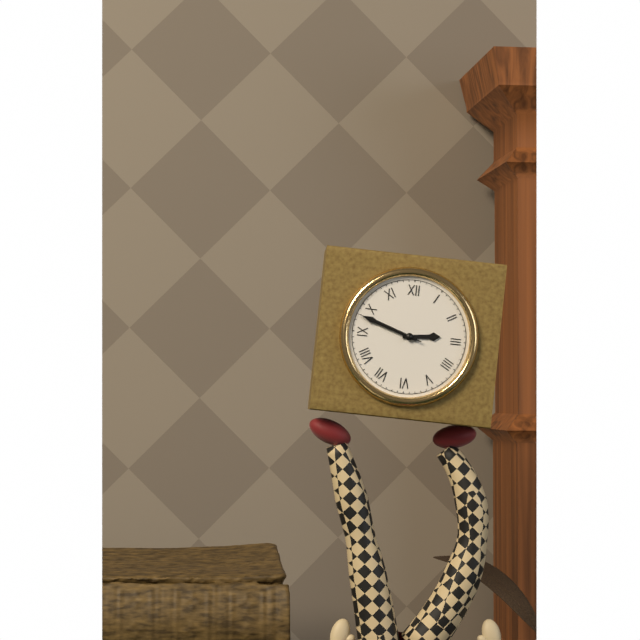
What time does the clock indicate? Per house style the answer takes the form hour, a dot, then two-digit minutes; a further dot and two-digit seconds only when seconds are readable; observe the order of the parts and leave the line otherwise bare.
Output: 2.48.48
